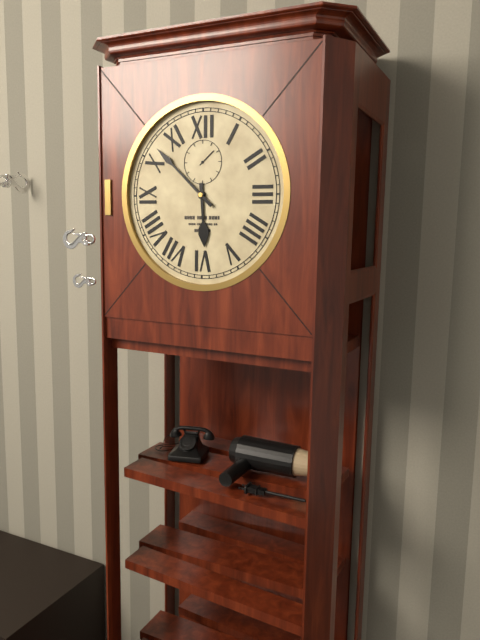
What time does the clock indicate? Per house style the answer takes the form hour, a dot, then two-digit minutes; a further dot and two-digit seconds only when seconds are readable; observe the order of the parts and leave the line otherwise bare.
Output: 5.52
